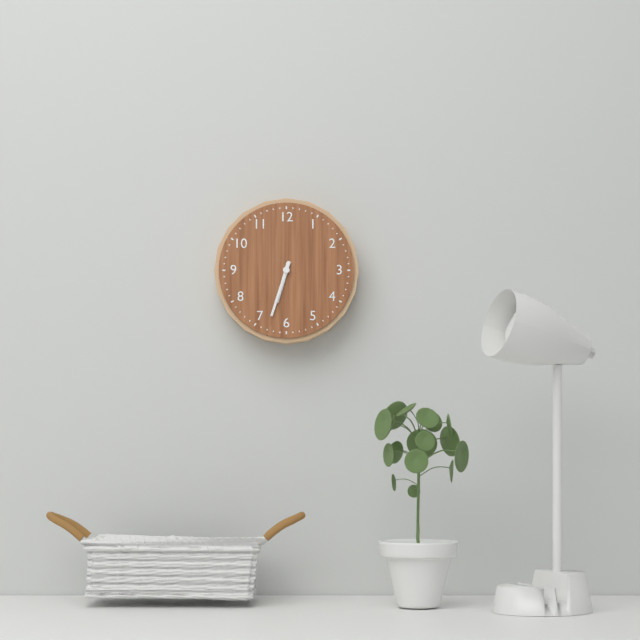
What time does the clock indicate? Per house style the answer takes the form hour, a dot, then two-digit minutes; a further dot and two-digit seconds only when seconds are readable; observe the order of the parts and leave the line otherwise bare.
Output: 6.33
